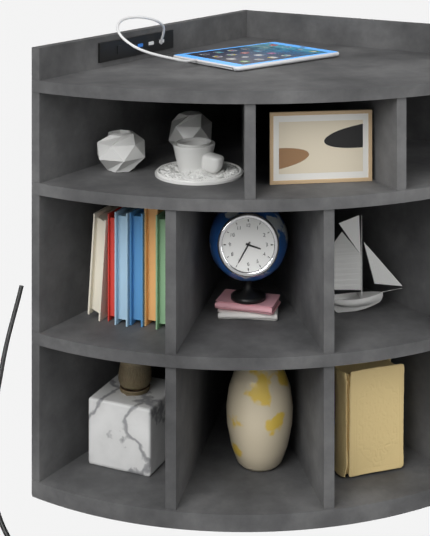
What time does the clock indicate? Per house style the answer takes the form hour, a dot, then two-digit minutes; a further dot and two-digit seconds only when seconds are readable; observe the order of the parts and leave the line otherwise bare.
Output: 3.35
